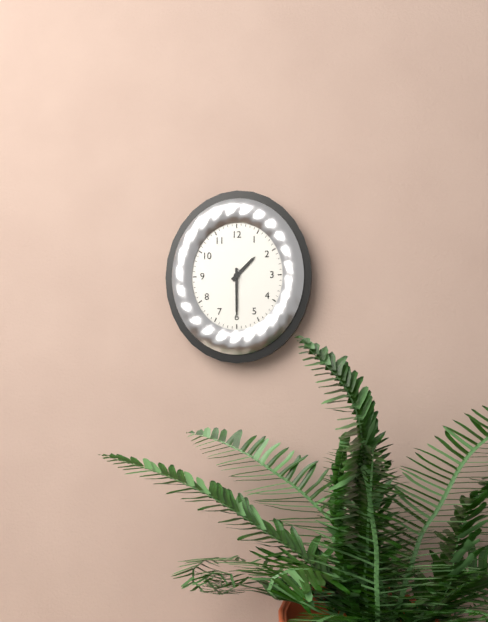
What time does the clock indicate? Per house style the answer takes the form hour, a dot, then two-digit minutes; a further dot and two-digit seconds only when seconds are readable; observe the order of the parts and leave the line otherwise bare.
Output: 1.30
